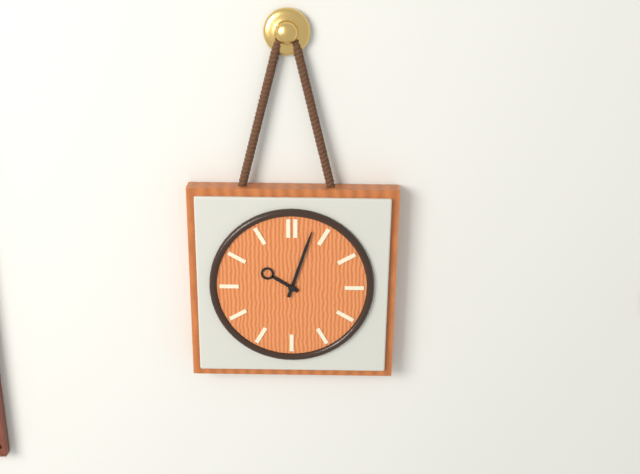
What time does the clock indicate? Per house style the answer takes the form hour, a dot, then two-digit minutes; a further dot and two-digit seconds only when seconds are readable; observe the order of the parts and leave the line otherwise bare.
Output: 10.03
